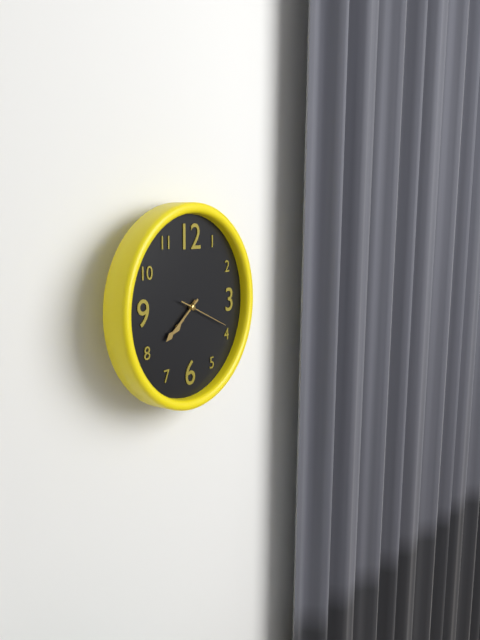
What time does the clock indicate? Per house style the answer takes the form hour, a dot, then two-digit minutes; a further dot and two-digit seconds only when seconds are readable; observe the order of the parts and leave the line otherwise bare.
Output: 7.39
